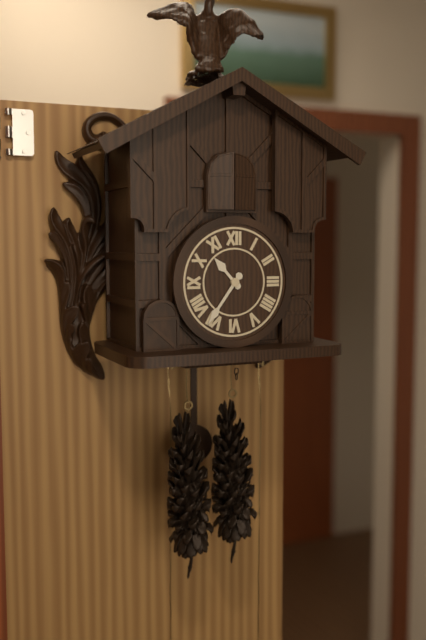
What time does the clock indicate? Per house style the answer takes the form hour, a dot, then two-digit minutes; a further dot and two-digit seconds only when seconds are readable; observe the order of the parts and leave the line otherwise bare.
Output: 10.36
